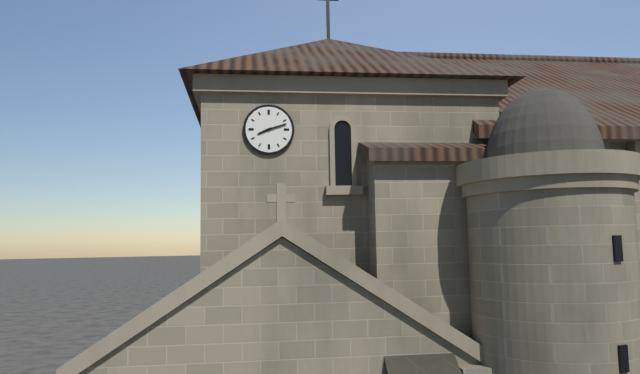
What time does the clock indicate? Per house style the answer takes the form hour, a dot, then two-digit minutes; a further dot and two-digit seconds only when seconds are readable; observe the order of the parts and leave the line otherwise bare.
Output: 8.12
